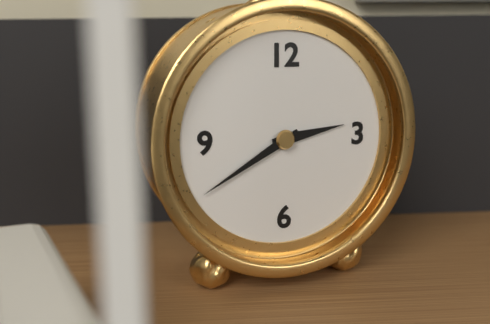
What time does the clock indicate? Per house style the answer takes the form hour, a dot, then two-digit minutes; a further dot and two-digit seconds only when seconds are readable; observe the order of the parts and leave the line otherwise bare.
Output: 2.40
